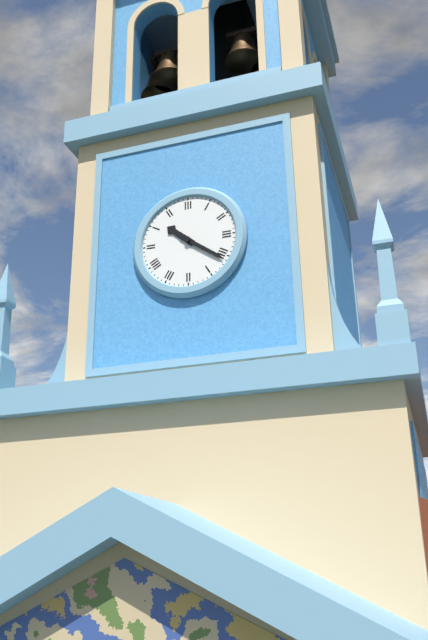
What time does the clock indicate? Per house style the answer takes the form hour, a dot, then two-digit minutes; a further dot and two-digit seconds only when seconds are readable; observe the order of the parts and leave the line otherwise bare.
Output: 10.21
